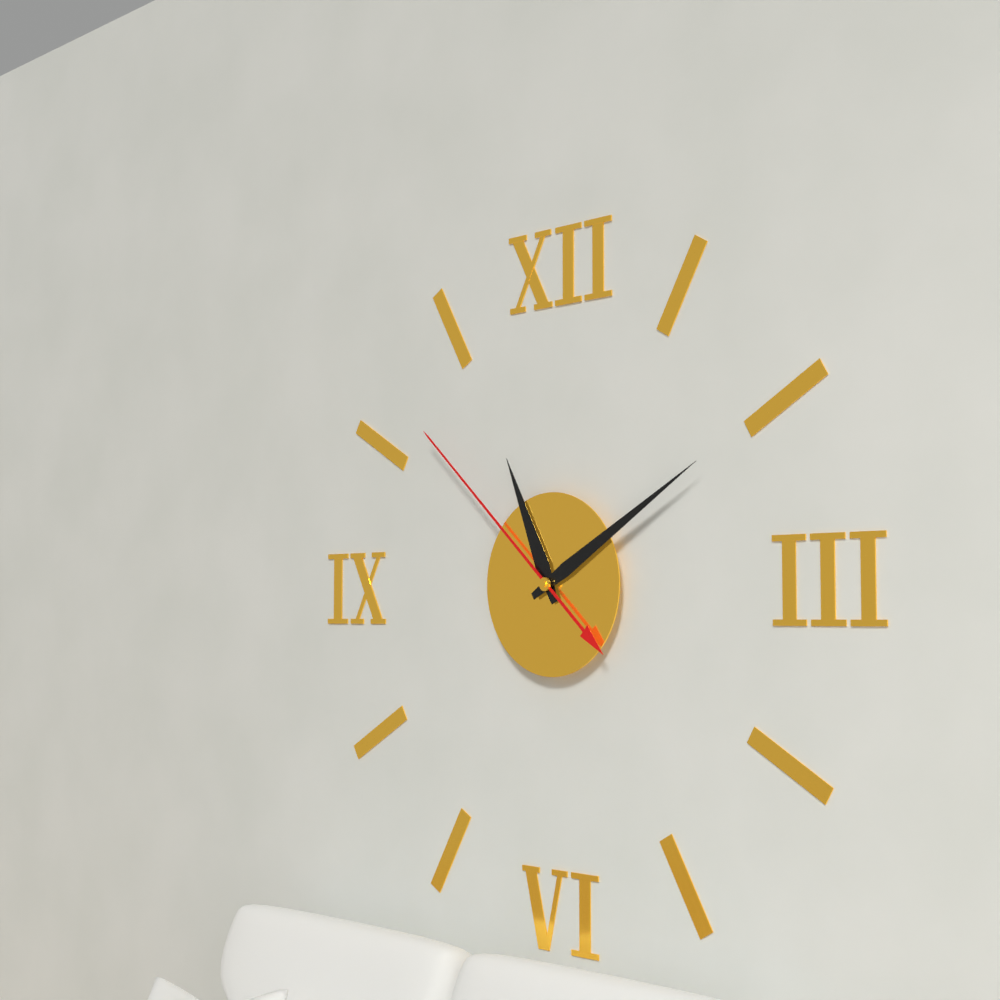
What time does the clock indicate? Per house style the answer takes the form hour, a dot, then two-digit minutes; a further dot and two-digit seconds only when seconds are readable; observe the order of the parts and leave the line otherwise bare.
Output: 11.10.52
